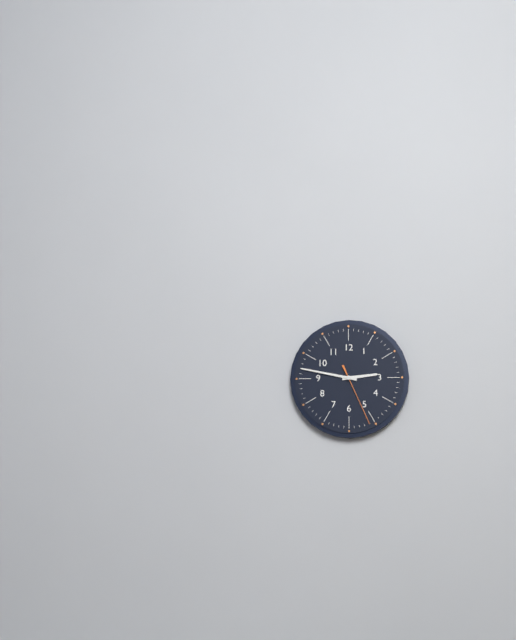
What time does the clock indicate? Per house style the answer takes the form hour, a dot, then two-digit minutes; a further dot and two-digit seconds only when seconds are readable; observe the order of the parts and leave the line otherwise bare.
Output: 2.47.26
